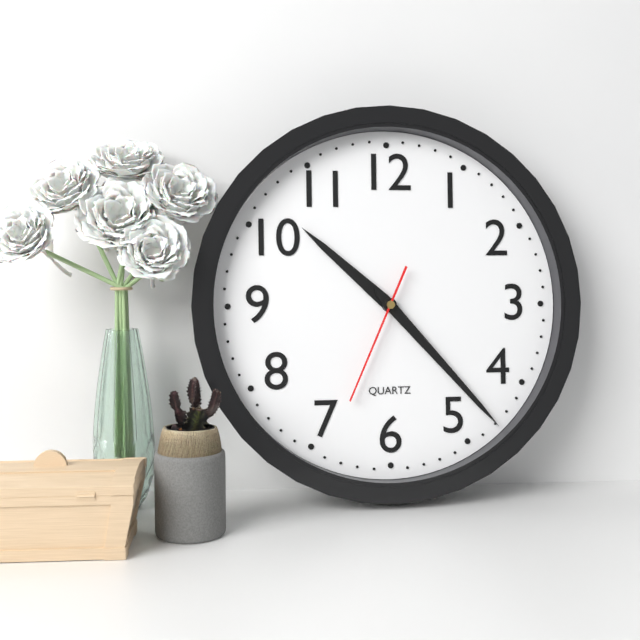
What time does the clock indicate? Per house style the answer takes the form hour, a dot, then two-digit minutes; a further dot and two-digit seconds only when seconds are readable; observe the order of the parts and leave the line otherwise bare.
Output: 10.23.34
